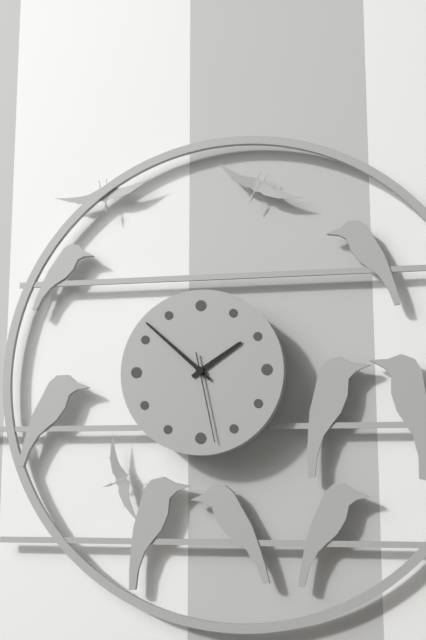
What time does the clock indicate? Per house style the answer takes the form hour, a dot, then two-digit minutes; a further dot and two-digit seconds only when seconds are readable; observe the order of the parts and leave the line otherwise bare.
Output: 1.52.28
